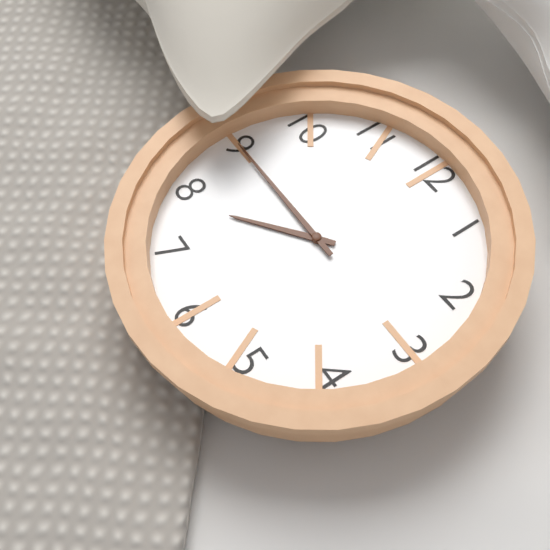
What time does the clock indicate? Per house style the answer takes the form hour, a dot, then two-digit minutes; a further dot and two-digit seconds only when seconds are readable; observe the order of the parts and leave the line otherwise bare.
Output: 7.45
